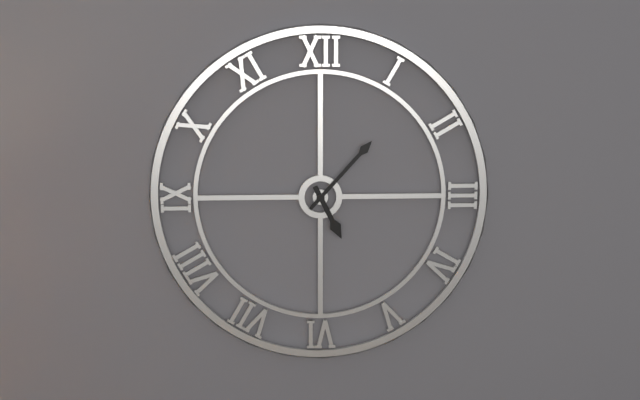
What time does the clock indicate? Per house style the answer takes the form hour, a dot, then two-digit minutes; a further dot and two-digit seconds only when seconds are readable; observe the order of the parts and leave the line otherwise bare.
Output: 5.07
